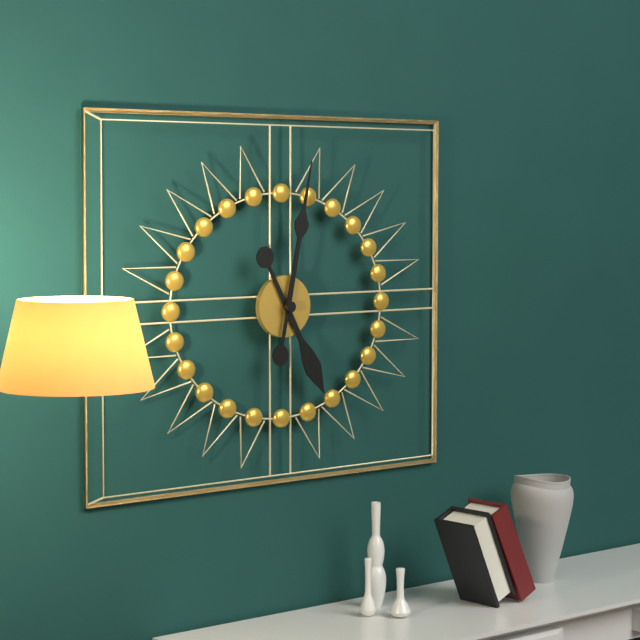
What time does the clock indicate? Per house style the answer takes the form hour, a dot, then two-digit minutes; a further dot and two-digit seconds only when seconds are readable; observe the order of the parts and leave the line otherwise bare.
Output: 5.02
